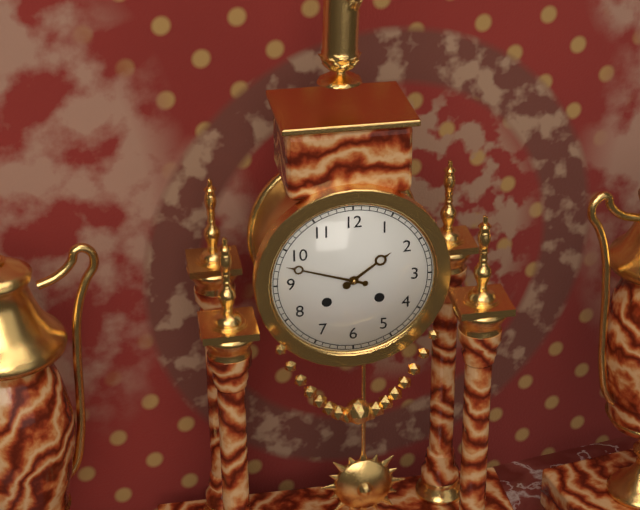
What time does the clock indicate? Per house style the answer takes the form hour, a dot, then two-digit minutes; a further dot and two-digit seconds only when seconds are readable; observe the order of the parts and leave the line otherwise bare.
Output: 1.48
